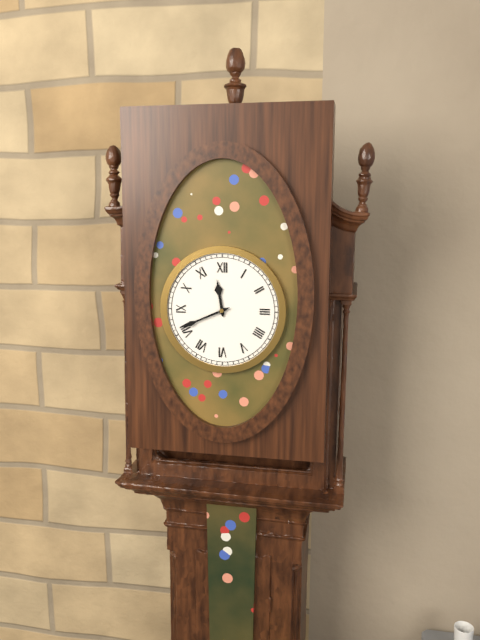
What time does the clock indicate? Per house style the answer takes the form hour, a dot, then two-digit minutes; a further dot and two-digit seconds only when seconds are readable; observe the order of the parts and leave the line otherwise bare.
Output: 11.41
